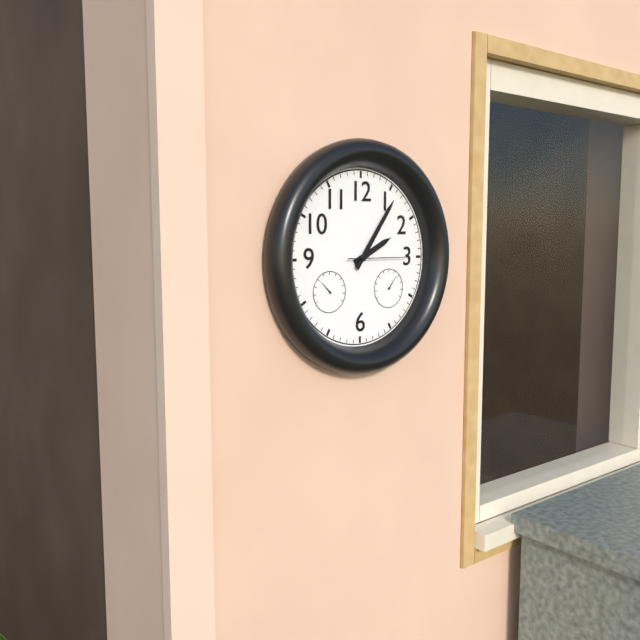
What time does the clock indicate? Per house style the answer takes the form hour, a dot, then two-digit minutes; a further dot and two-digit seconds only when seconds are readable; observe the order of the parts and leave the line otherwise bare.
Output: 2.06.15
